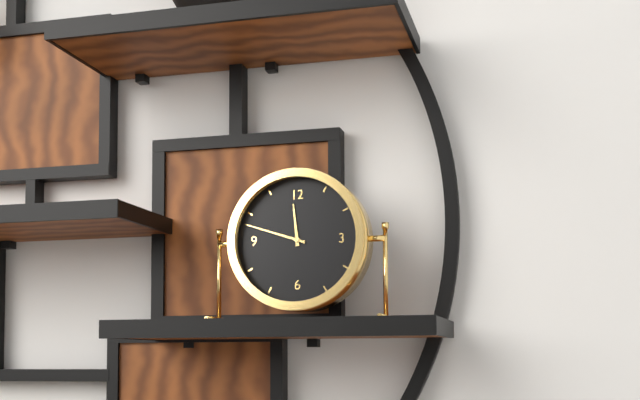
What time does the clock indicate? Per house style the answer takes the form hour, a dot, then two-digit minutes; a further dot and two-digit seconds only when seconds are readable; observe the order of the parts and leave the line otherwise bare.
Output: 11.48
